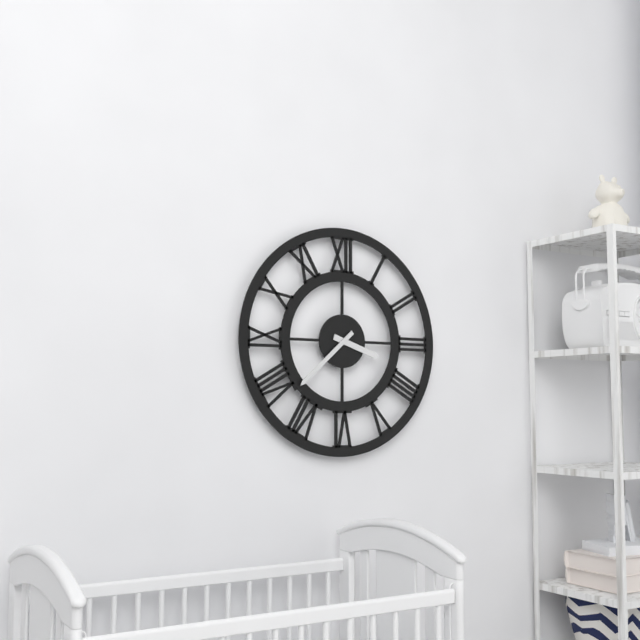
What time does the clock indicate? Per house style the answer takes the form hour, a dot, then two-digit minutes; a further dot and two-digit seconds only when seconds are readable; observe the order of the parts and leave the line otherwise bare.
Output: 3.38
